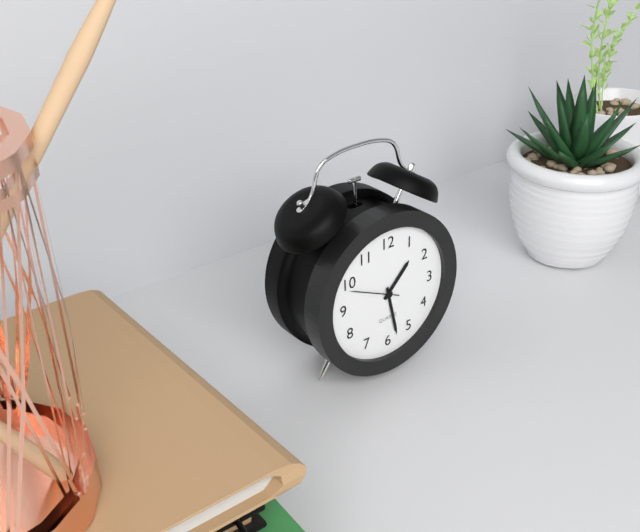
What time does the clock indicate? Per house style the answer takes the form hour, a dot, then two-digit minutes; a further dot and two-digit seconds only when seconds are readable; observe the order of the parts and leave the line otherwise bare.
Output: 1.28.49
